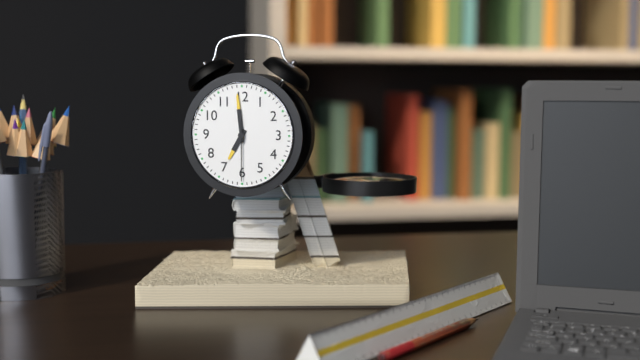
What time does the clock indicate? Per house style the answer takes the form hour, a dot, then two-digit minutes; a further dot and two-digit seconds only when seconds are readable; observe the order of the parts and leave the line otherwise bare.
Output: 6.59.30
